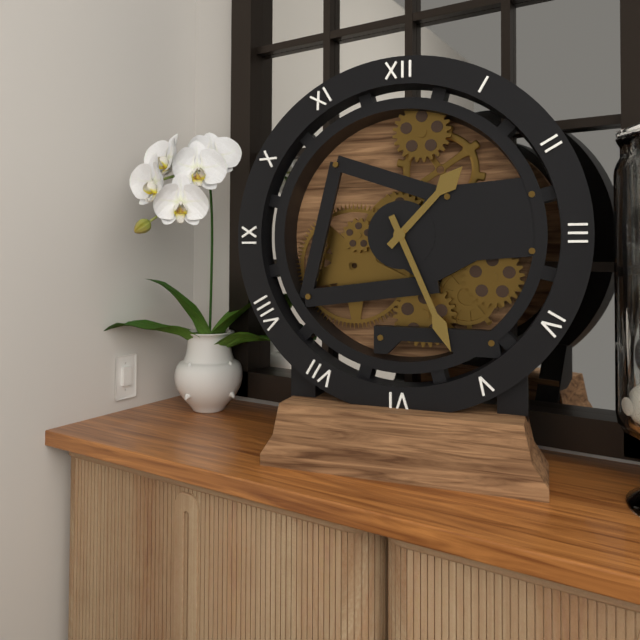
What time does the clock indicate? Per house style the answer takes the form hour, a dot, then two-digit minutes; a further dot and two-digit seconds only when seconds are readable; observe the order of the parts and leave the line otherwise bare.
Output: 1.26
